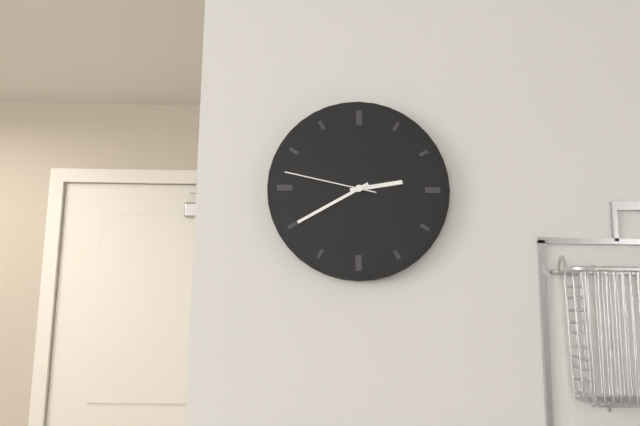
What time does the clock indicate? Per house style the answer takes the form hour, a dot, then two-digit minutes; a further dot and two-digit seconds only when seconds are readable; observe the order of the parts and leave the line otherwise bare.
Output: 2.40.47
